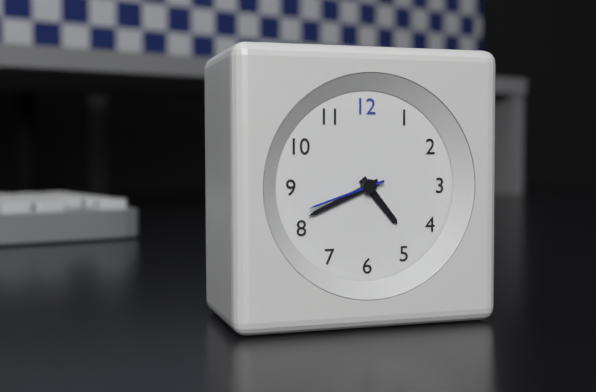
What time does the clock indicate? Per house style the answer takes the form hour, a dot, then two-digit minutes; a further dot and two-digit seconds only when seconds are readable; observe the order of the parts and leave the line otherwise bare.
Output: 4.41.42
